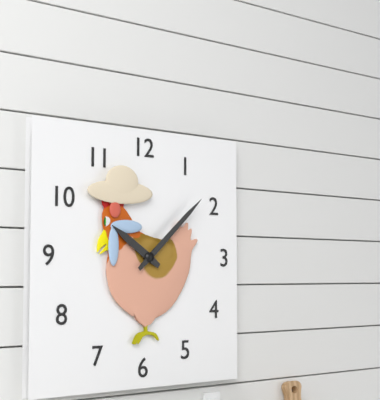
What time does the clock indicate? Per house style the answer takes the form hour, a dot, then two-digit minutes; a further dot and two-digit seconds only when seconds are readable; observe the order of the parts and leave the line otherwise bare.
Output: 10.08
